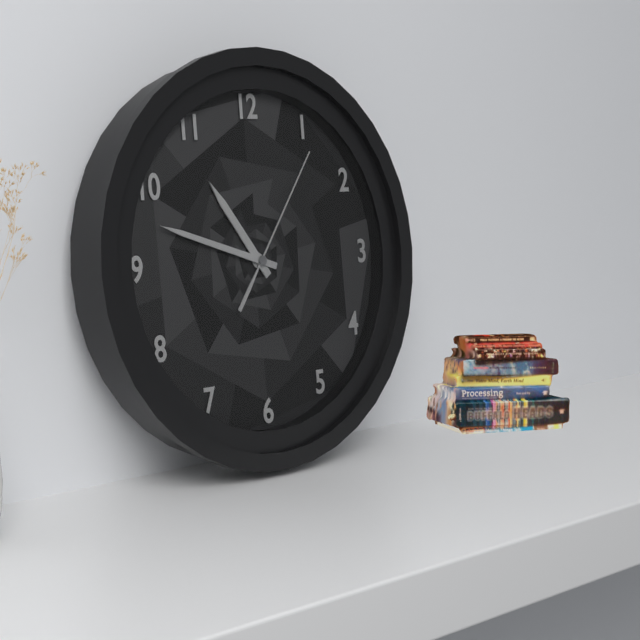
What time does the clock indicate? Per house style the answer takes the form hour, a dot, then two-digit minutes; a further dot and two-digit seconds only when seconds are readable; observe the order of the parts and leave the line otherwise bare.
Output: 10.48.06
